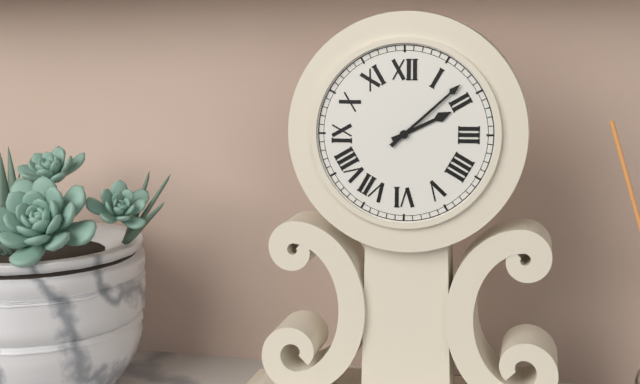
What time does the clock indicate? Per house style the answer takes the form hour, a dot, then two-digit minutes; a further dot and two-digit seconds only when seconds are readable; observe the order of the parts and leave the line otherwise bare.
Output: 2.08
